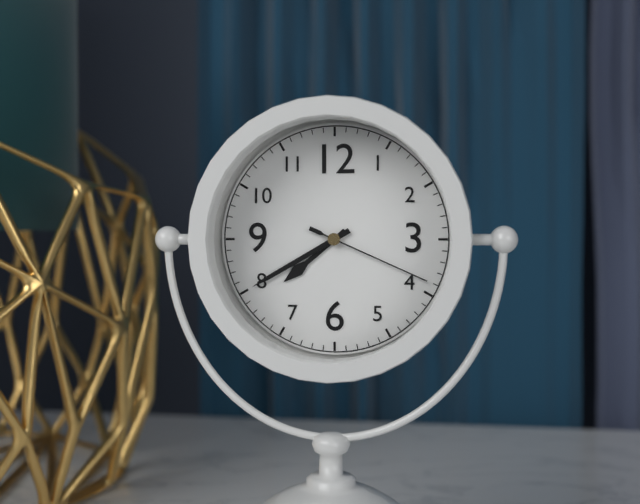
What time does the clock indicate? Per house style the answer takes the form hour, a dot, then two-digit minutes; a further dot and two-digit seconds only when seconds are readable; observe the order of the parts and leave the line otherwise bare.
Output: 7.40.19
